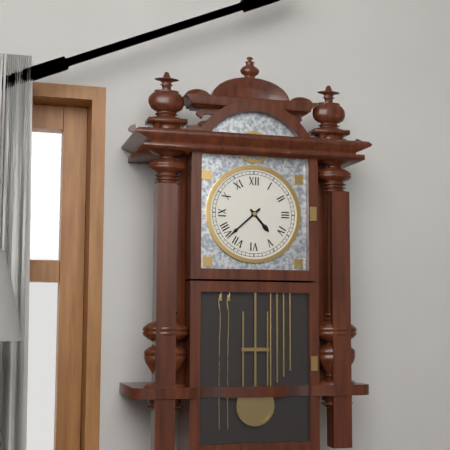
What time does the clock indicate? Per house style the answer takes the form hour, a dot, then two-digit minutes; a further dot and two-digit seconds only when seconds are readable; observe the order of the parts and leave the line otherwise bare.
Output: 4.38
